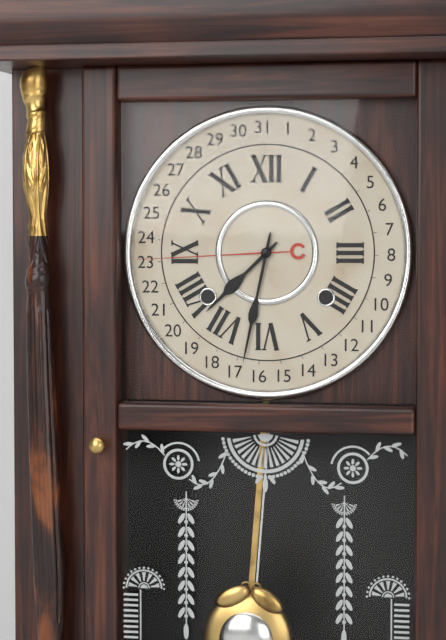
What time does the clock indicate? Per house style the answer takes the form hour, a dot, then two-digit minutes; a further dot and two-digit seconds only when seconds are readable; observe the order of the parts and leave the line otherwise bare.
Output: 7.32
